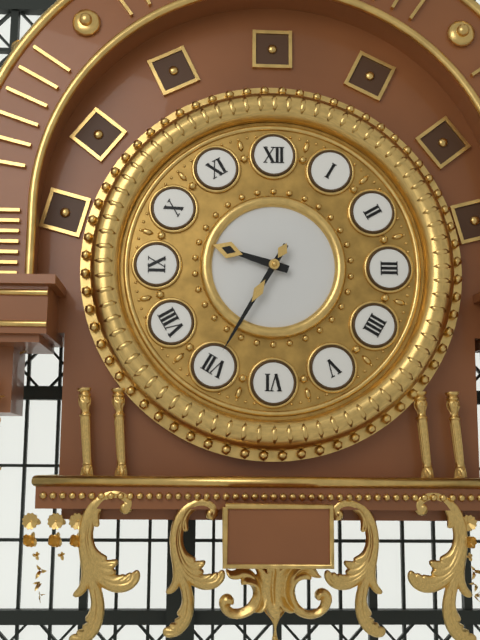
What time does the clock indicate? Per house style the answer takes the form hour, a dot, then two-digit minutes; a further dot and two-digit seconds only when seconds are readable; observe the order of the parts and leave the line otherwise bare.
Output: 9.35
